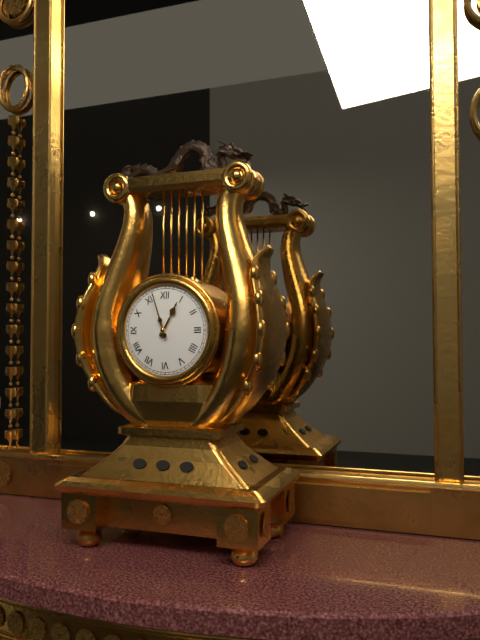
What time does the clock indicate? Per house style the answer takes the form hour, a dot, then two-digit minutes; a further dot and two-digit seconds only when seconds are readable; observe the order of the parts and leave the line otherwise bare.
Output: 12.57
